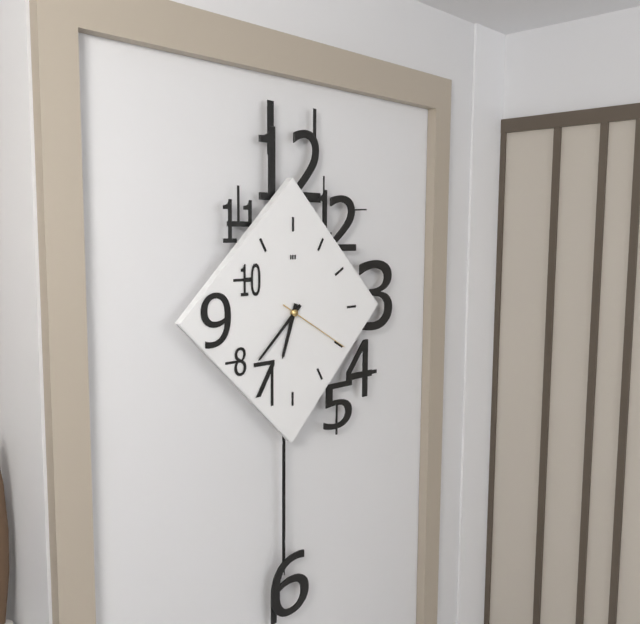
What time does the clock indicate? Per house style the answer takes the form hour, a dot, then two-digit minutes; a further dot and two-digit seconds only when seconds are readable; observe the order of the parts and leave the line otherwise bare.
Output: 6.38.20
